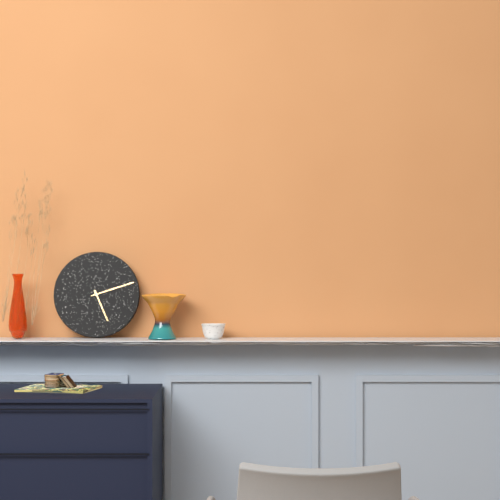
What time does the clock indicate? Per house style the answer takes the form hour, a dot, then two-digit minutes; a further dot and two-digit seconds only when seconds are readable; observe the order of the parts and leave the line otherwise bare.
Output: 5.12
